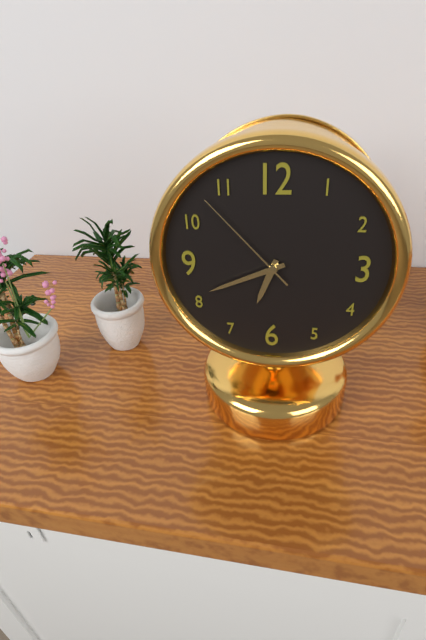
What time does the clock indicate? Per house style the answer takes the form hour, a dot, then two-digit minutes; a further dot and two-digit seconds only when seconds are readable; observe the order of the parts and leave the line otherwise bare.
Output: 6.41.53
